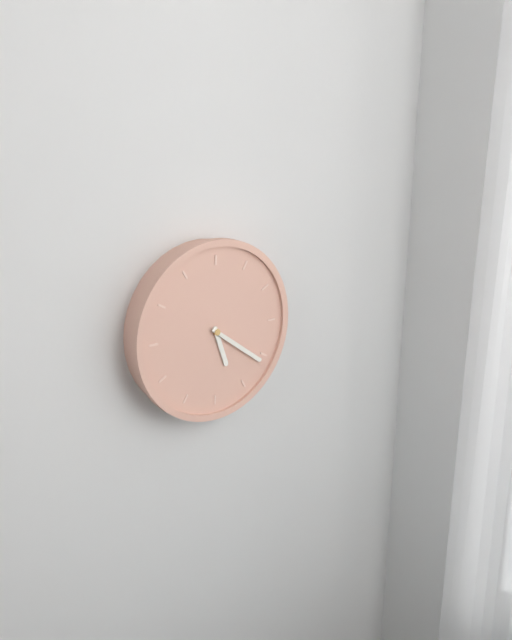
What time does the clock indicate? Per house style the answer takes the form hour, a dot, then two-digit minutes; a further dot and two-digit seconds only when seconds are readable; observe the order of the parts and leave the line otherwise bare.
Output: 5.21
